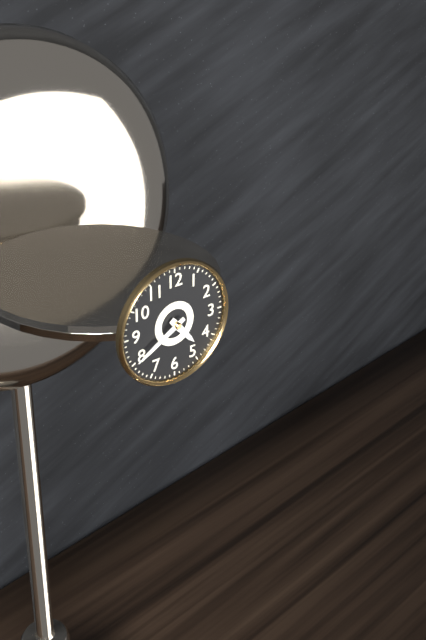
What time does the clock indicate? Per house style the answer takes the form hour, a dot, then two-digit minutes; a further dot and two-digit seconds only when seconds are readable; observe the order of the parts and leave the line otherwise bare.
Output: 4.40
